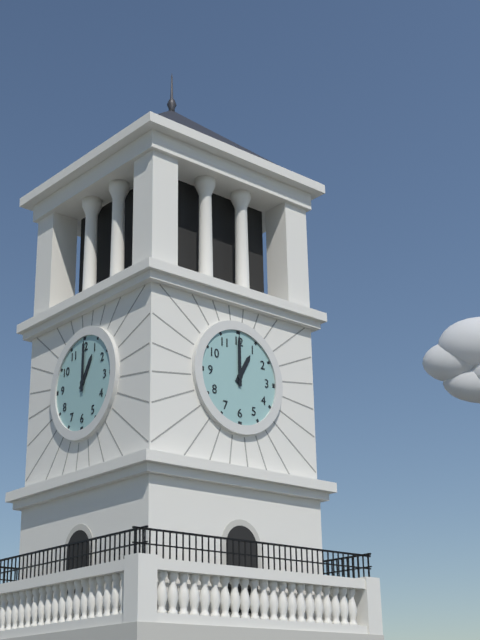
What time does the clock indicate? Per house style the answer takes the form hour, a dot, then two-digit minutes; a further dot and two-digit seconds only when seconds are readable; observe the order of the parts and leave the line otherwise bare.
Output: 1.00
